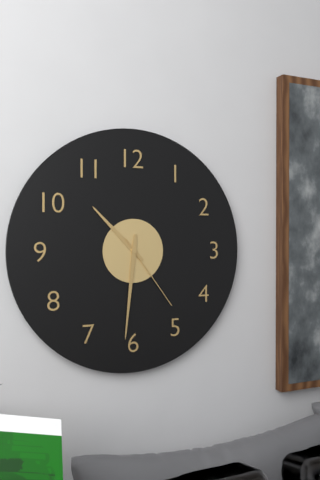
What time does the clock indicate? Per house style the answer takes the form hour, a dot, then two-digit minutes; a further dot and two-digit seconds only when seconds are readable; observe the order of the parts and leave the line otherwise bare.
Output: 10.31.24
